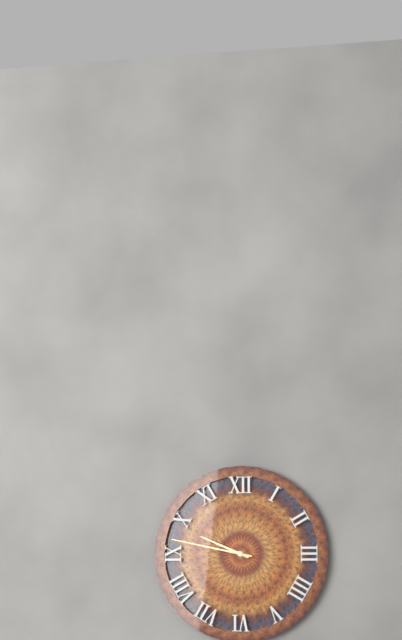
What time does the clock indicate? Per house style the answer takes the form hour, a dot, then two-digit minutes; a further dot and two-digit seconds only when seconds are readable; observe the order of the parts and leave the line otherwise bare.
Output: 9.47
